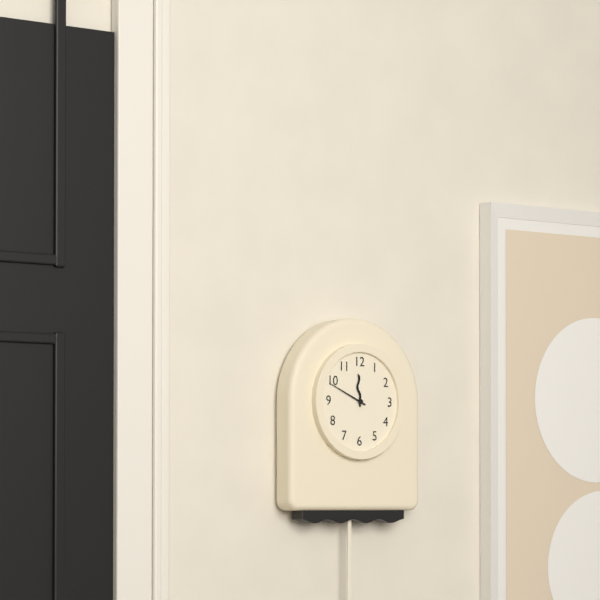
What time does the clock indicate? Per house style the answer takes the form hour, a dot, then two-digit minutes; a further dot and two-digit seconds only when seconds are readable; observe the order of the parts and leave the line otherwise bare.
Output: 11.49
